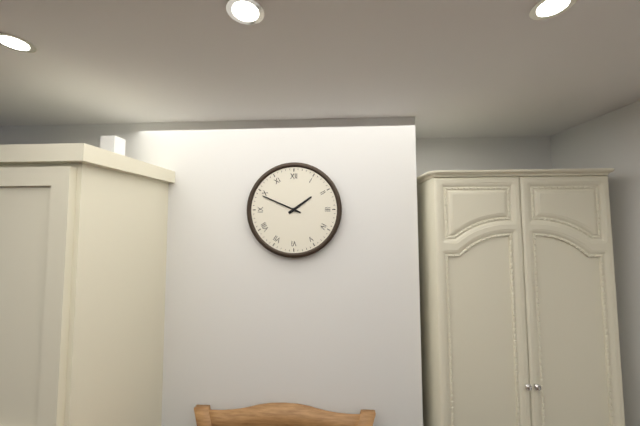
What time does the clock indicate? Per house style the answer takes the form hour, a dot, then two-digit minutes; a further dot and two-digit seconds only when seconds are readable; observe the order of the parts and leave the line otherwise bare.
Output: 1.49
